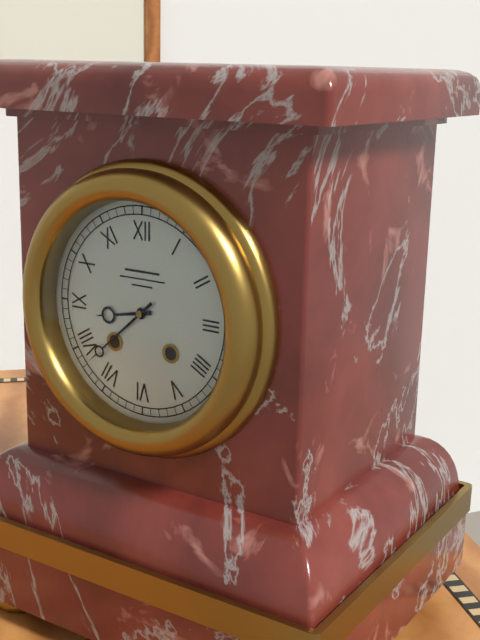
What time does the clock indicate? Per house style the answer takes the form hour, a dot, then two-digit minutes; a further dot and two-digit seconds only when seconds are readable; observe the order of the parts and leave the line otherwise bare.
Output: 8.38
